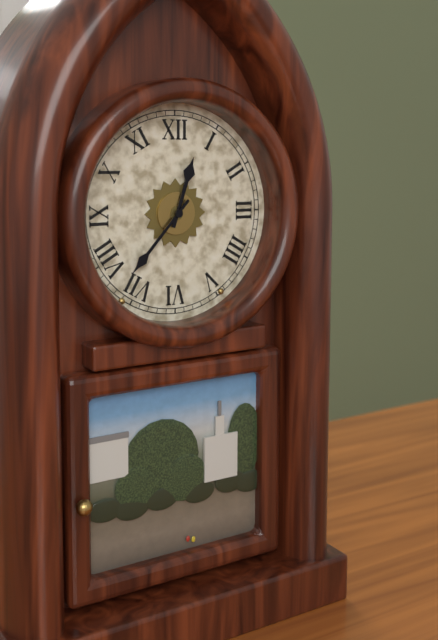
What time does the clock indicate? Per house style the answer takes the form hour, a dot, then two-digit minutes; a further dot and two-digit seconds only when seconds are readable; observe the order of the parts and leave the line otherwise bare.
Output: 12.37
